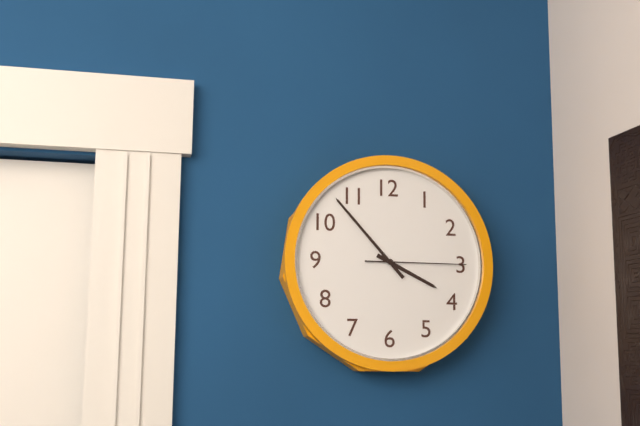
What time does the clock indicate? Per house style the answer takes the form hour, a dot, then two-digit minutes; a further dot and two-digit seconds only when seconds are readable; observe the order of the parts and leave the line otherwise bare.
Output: 3.53.15
